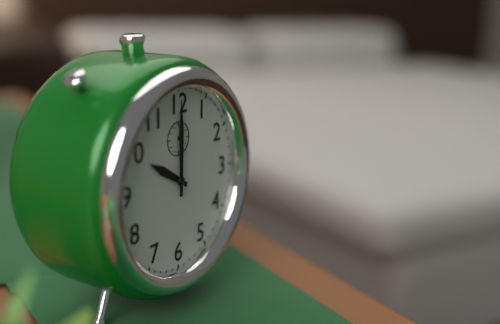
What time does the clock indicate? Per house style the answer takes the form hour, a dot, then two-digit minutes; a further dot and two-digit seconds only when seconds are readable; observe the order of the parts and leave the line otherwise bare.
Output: 10.00
